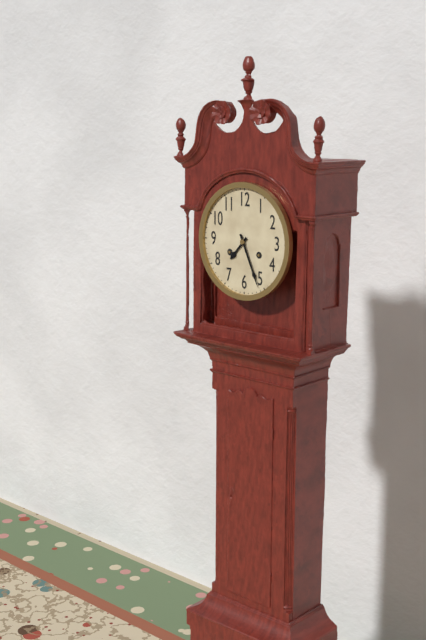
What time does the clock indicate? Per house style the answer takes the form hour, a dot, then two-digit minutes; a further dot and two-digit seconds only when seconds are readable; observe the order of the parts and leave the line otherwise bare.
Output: 7.26
